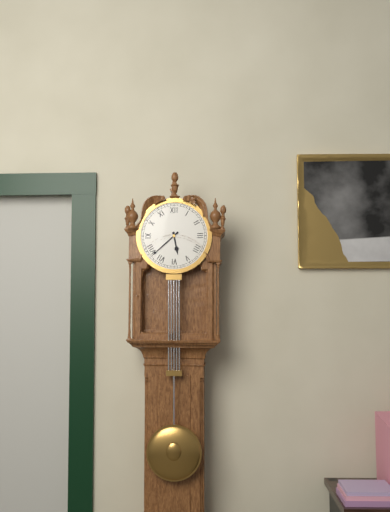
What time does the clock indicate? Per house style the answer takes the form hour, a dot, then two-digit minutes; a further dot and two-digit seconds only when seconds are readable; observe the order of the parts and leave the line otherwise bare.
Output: 5.38
